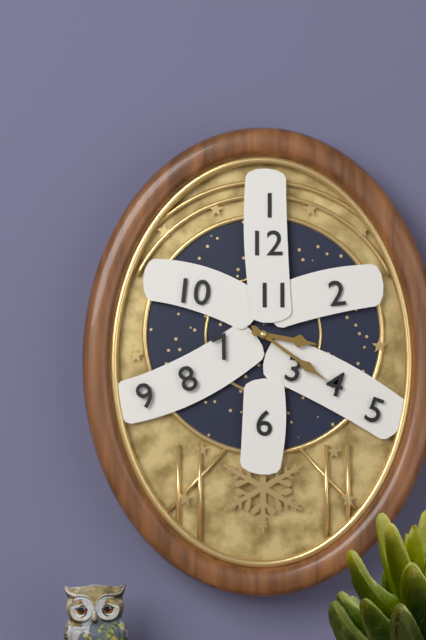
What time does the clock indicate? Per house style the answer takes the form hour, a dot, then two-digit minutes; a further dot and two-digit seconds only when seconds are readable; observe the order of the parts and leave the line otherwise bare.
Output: 3.21
